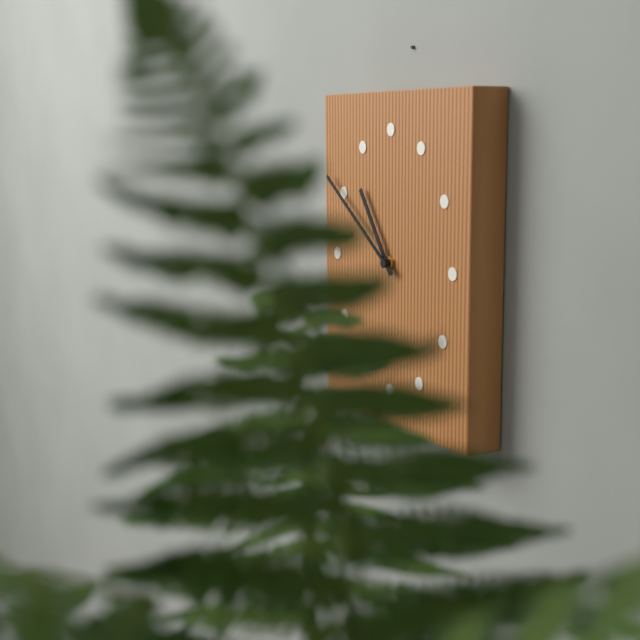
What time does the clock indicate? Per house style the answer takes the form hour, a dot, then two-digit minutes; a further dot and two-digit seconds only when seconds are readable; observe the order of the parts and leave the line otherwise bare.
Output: 10.51
